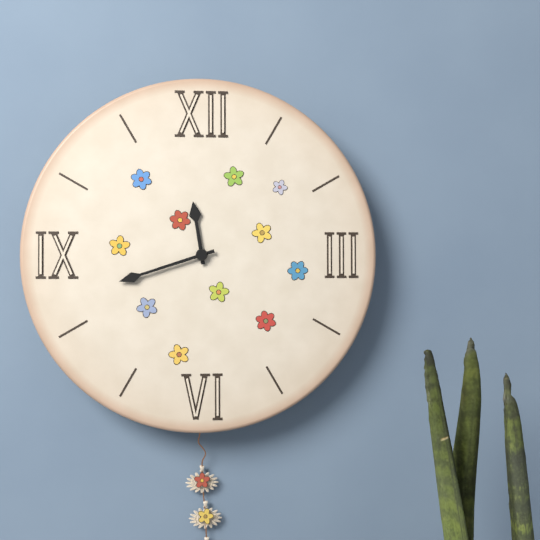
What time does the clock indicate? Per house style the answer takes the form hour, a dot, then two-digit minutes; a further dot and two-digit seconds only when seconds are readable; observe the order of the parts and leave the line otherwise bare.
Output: 11.42
